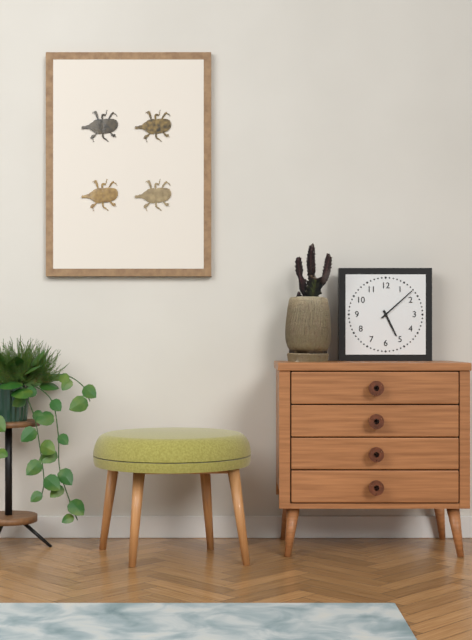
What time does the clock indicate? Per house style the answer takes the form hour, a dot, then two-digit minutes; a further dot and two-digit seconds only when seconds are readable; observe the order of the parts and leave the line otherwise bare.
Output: 5.08
